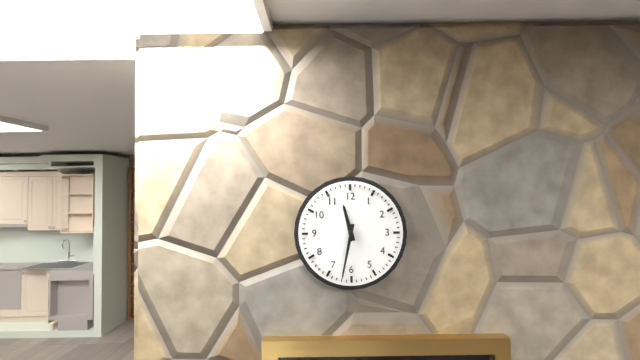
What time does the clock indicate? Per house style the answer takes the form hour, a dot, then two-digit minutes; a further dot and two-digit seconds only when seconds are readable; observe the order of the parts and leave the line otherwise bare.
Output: 11.32
